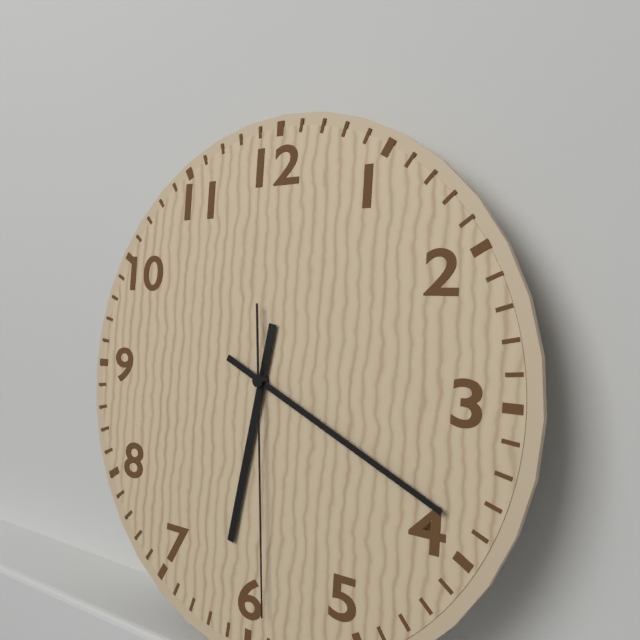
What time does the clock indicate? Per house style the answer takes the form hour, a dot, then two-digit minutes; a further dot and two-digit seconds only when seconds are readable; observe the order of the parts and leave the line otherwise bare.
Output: 6.19.29
